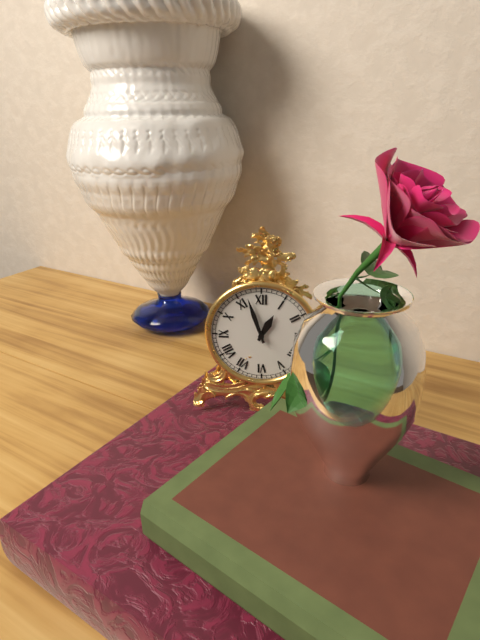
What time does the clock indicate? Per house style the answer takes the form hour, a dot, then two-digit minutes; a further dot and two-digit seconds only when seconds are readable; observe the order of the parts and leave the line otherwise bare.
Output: 12.57
